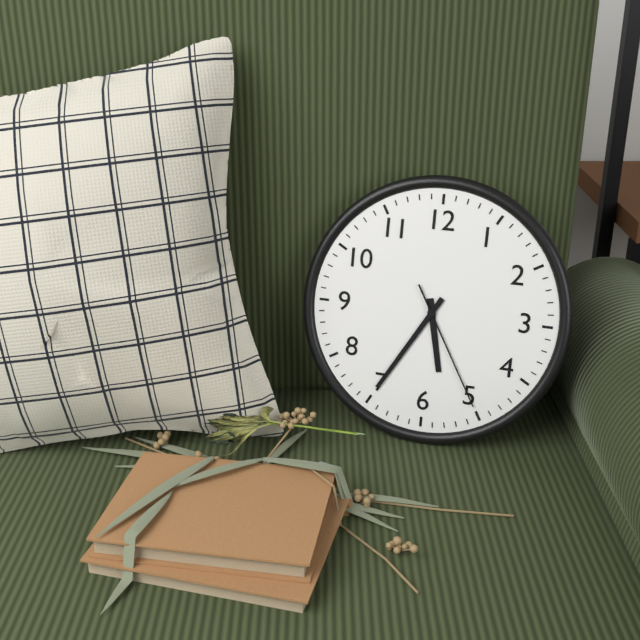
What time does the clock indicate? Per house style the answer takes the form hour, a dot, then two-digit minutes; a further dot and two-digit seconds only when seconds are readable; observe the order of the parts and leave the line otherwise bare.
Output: 5.35.25
